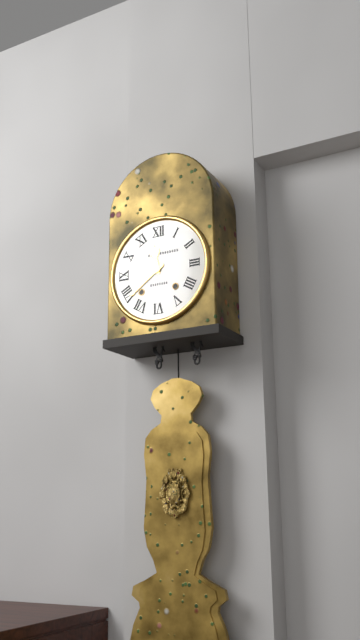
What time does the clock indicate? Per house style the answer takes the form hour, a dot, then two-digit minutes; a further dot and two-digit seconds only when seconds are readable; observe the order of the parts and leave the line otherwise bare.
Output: 11.39
